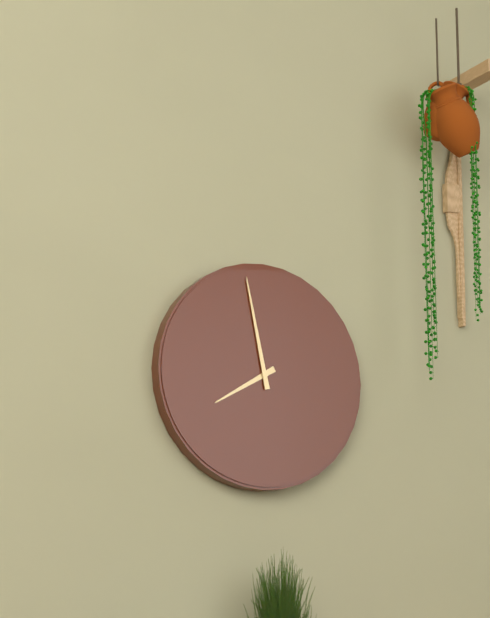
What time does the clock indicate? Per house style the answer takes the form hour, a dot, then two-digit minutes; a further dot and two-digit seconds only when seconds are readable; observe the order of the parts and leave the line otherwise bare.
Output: 7.58
